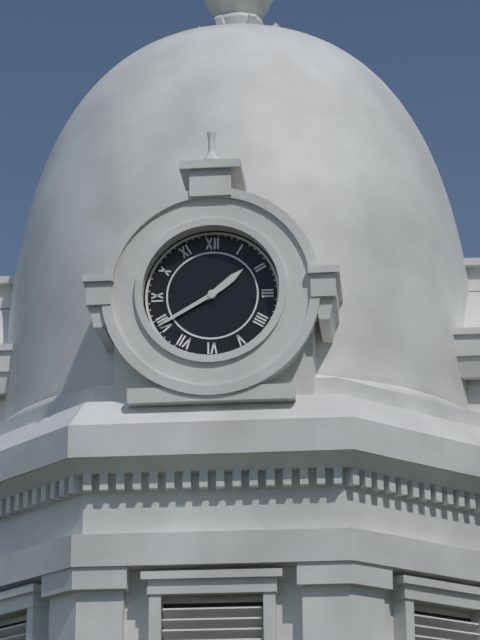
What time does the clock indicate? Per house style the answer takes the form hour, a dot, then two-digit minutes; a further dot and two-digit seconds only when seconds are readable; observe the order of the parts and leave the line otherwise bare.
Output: 1.40
